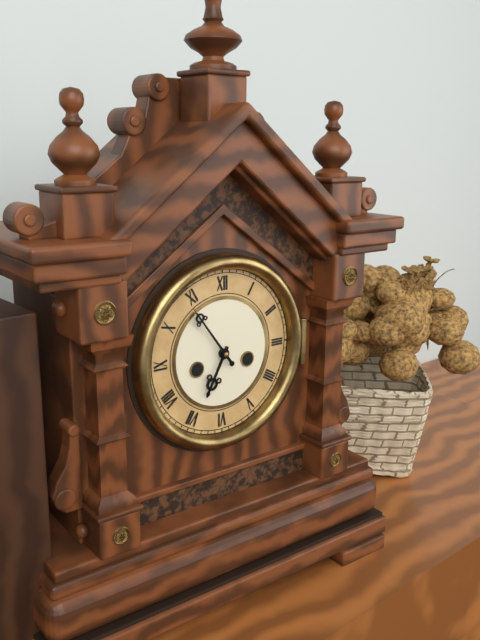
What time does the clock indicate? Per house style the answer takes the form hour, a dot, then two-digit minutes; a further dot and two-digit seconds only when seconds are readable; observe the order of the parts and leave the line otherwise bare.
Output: 6.54
